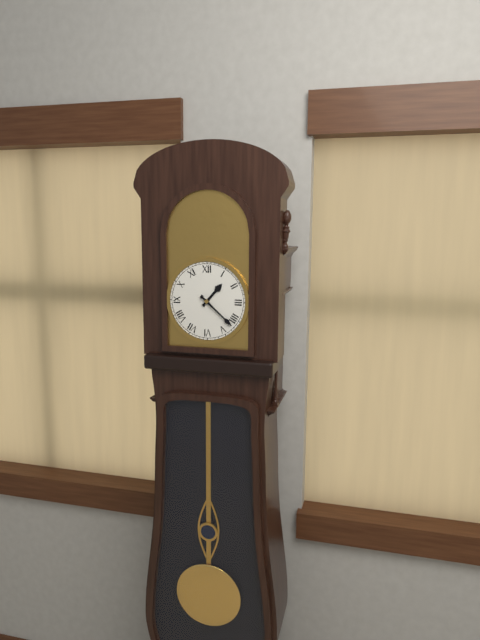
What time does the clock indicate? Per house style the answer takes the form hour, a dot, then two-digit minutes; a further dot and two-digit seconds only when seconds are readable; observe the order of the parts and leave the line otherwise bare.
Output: 1.22
